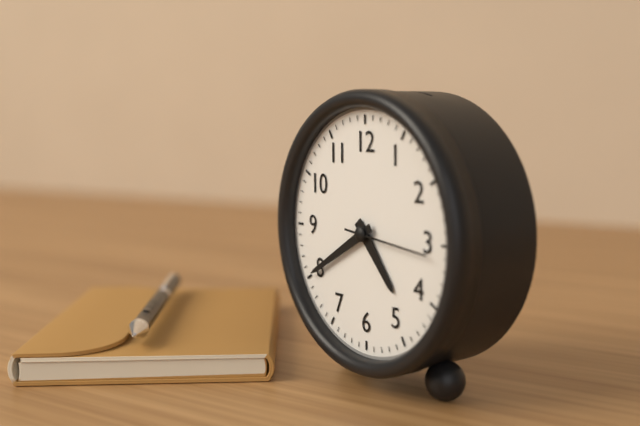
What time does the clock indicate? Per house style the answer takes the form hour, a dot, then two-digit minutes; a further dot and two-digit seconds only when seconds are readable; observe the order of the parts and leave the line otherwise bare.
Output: 4.40
